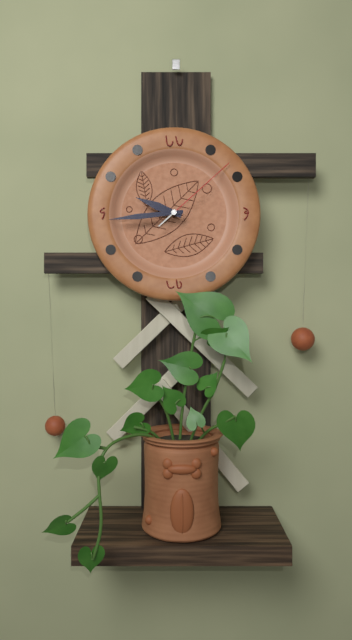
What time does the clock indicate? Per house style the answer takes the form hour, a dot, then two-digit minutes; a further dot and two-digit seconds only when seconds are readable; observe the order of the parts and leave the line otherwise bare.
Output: 9.44.08
